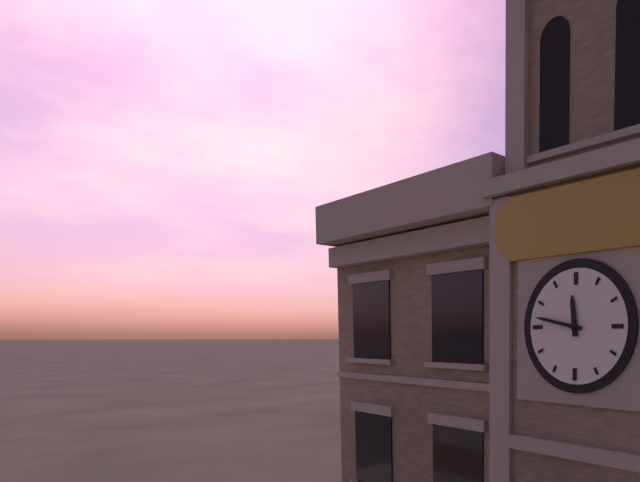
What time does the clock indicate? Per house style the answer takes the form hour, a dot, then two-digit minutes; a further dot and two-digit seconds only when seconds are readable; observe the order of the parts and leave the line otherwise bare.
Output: 11.47
